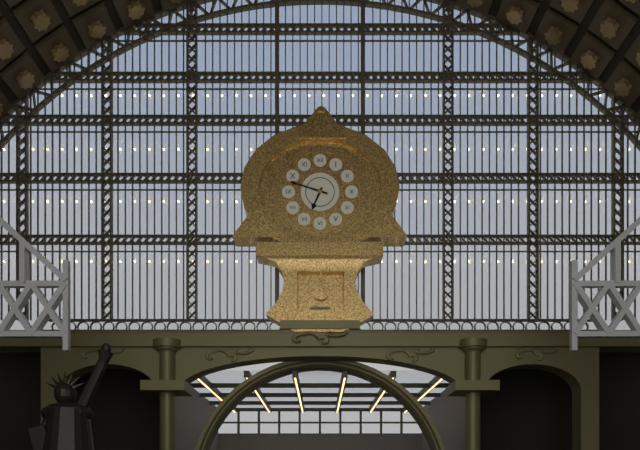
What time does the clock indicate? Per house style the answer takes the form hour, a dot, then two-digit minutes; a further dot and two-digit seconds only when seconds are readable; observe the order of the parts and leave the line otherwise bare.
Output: 6.48
